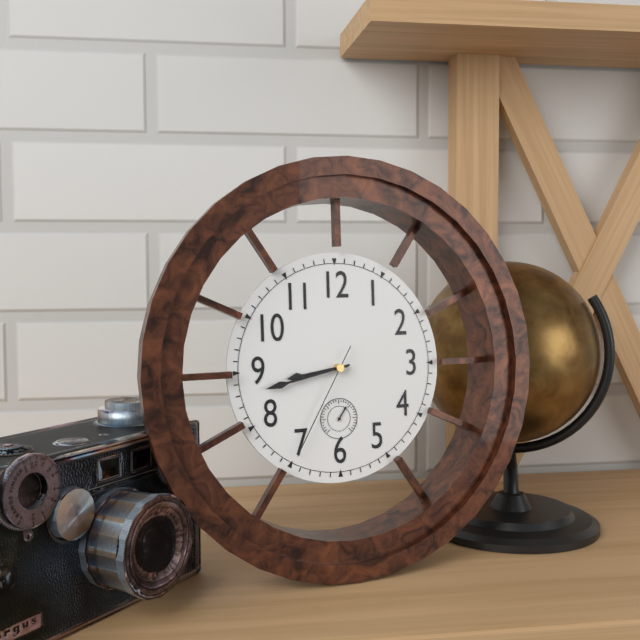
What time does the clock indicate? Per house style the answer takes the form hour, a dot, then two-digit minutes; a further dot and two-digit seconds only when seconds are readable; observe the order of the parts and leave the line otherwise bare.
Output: 8.43.35
